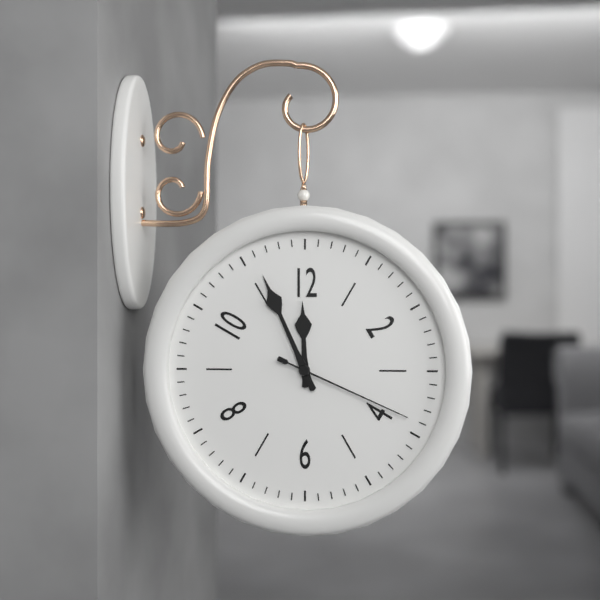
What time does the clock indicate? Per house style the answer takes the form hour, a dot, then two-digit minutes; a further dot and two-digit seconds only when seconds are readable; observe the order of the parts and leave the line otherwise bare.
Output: 11.56.19
